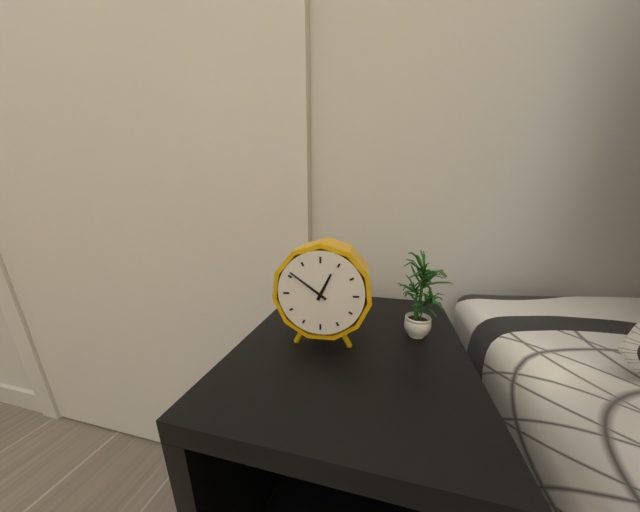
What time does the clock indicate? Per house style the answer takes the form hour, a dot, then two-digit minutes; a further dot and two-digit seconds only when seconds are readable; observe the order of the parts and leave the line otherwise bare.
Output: 12.51
